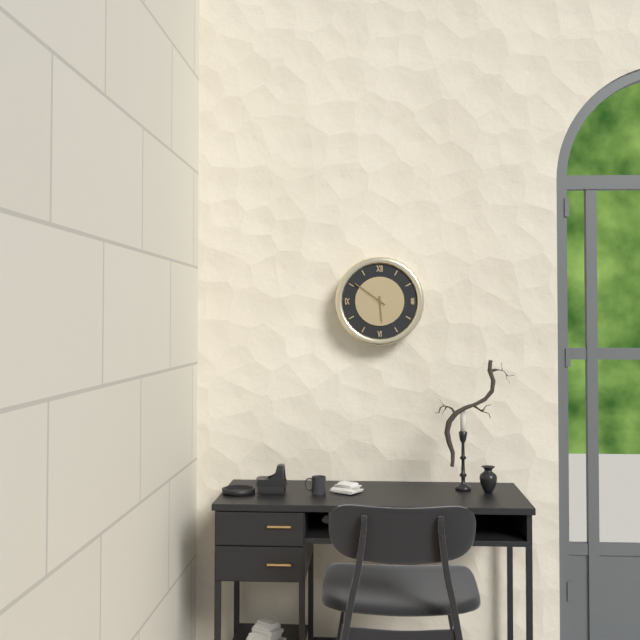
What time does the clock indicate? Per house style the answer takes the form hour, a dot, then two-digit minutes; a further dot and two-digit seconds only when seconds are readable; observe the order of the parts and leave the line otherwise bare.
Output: 5.51
